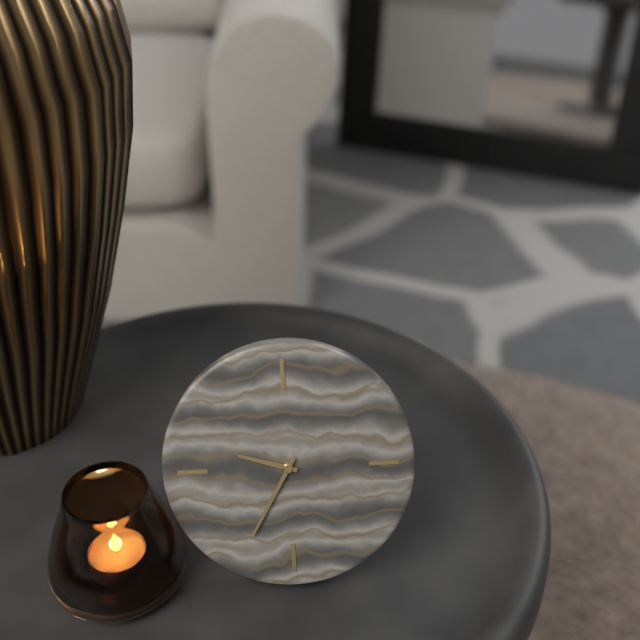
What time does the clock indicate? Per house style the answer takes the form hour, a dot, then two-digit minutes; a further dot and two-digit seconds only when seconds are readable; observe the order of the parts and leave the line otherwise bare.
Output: 9.35
